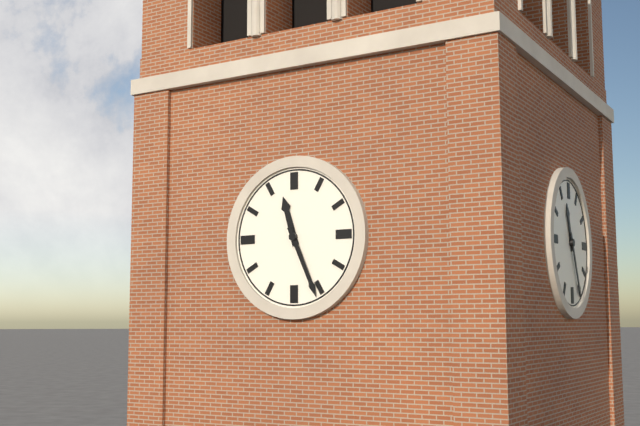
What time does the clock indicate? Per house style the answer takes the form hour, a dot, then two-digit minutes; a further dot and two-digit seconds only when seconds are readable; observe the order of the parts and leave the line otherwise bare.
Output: 11.26
